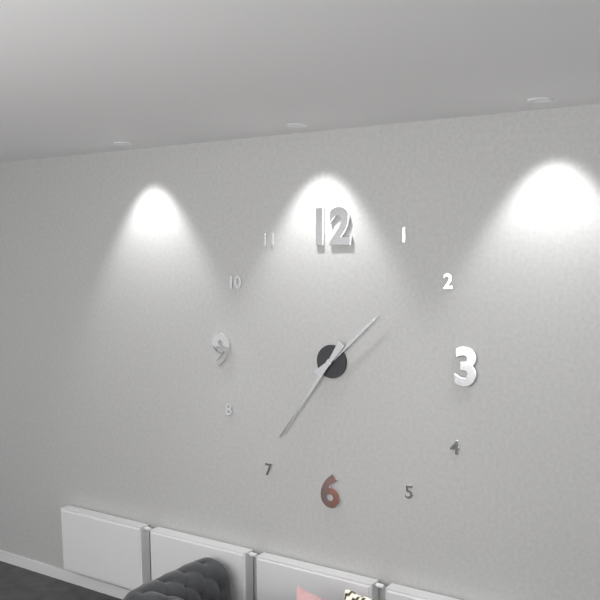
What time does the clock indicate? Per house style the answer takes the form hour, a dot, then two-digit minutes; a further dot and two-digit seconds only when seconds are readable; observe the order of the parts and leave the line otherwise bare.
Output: 1.36
